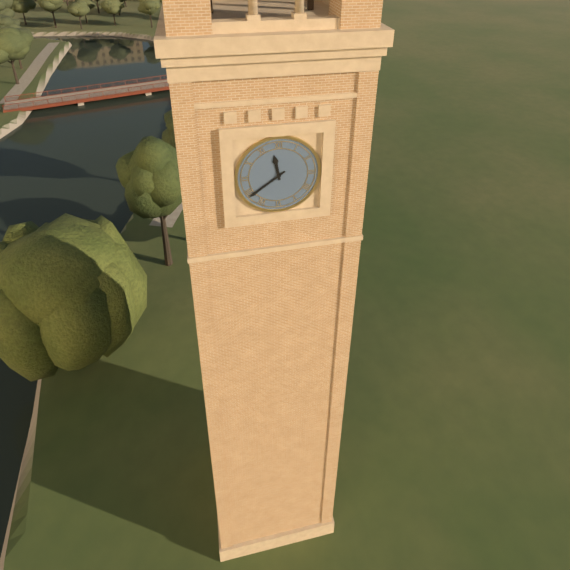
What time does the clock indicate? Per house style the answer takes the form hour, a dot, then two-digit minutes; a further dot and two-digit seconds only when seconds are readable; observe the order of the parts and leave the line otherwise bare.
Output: 11.39
